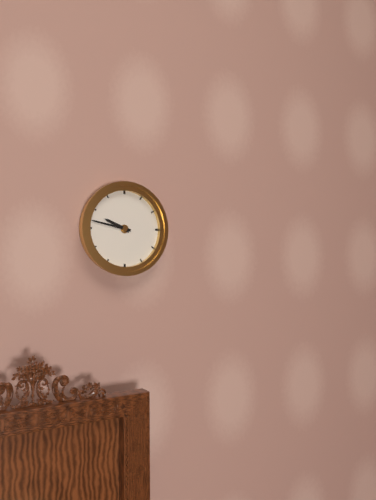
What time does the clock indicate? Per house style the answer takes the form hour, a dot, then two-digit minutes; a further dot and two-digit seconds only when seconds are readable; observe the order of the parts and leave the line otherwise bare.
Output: 9.47
